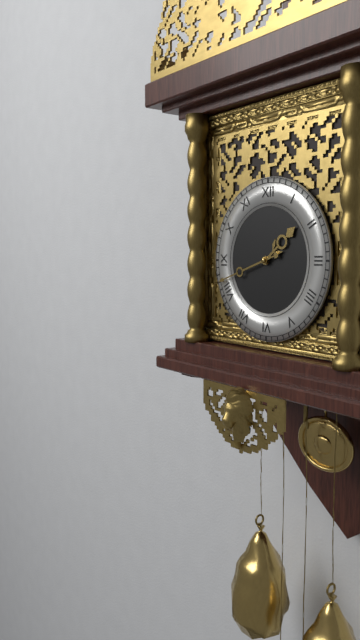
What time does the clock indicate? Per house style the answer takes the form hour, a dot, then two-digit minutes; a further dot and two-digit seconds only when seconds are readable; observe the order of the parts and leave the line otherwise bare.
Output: 1.42
